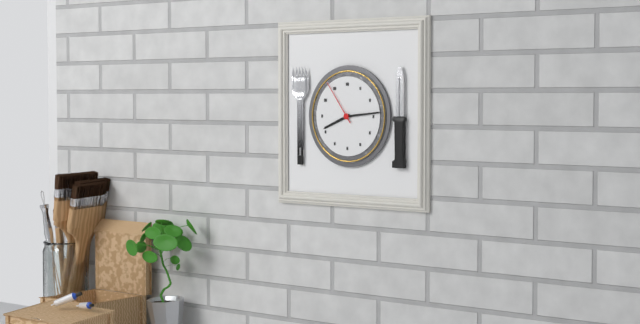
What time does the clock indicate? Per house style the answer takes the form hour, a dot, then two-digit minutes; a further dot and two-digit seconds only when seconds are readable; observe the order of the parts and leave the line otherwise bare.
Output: 8.14
